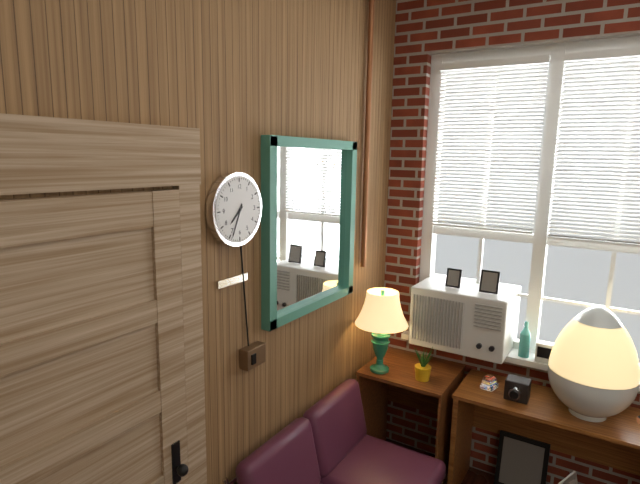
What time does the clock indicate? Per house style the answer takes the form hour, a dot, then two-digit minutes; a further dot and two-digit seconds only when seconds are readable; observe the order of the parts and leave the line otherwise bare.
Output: 7.34
